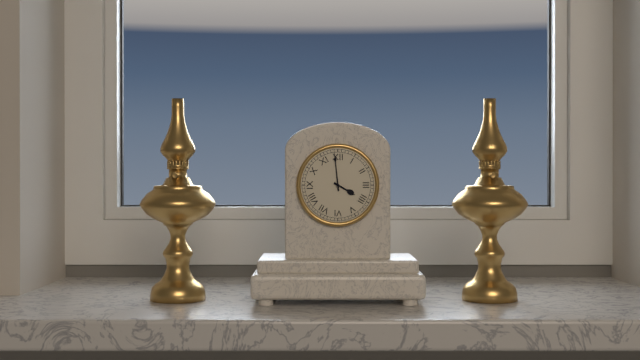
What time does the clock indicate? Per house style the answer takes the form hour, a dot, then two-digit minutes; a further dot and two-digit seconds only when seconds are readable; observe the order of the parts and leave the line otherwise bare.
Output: 3.59
